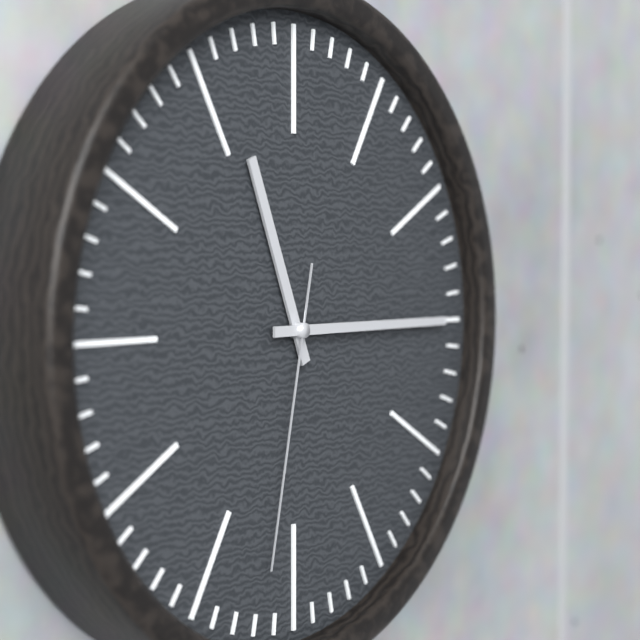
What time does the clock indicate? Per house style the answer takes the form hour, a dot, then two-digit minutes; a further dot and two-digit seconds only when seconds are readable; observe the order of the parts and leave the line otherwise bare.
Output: 11.15.32
